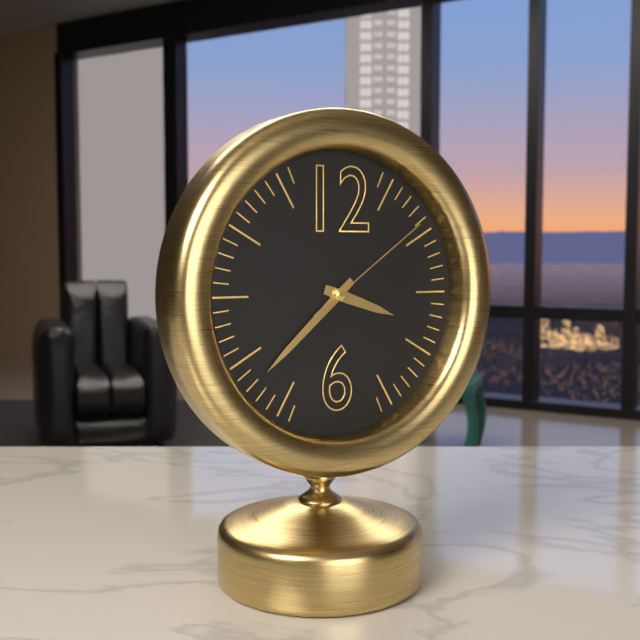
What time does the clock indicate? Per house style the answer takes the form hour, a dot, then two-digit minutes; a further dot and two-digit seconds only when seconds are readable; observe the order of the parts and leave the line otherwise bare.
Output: 3.38.09
